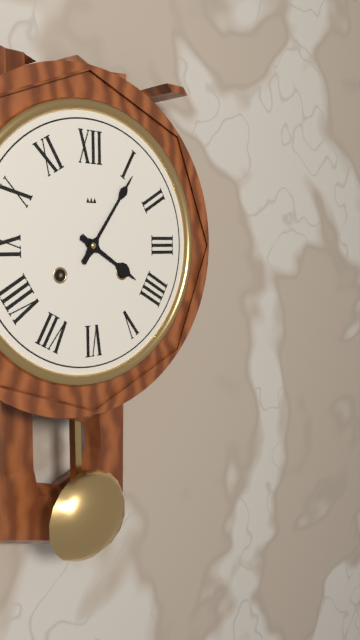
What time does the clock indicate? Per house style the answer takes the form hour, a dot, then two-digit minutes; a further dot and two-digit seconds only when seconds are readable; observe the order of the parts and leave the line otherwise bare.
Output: 4.06
